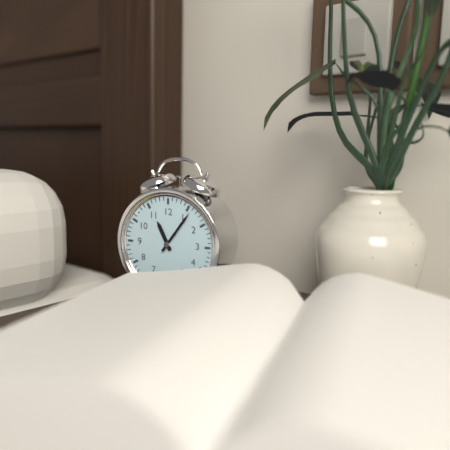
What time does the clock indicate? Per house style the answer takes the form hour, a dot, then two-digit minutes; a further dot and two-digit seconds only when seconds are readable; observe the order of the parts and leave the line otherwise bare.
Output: 11.06
